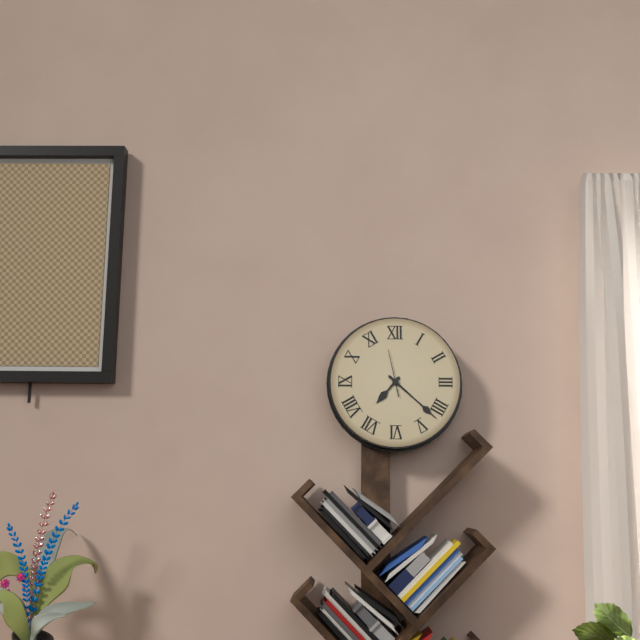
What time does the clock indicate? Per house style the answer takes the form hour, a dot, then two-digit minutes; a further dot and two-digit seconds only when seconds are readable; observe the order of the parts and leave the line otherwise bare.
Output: 7.22
